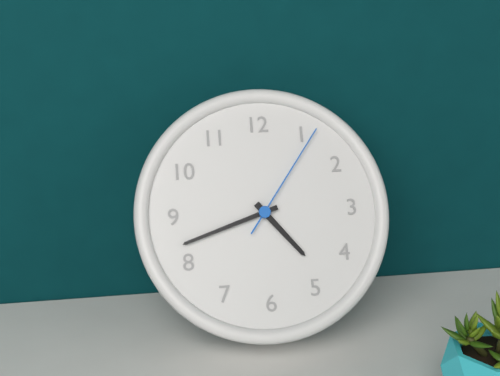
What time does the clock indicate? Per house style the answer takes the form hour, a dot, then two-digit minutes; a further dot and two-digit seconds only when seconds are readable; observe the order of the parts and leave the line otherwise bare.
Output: 4.42.06
